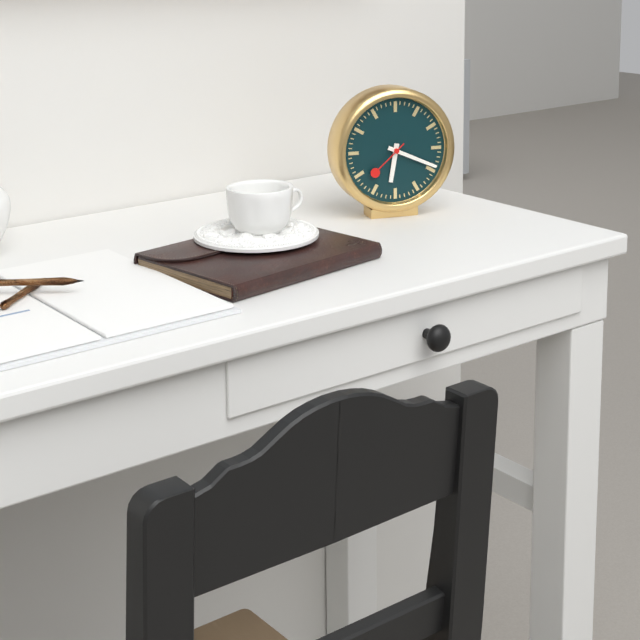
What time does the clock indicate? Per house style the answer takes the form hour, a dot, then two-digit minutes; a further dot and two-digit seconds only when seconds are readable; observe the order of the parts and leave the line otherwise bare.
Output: 6.19
